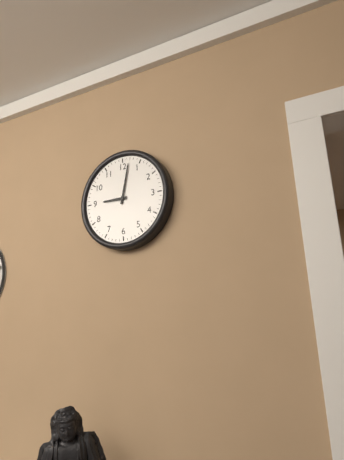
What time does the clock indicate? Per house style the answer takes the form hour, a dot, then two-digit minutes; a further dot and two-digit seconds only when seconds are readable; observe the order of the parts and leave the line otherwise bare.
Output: 9.02
